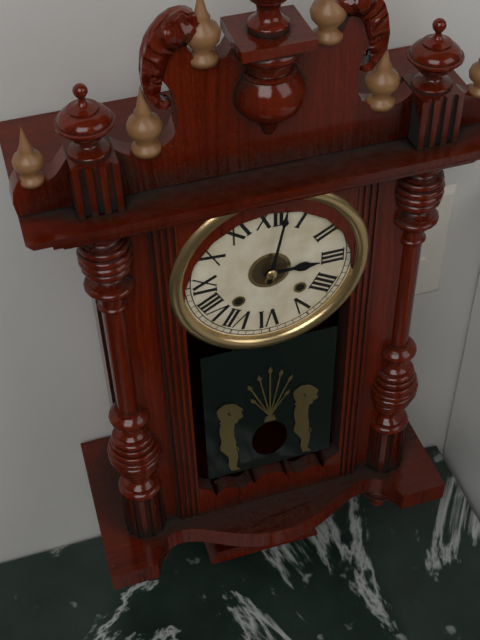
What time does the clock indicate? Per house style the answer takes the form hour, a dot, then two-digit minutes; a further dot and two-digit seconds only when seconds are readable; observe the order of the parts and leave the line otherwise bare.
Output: 3.02
